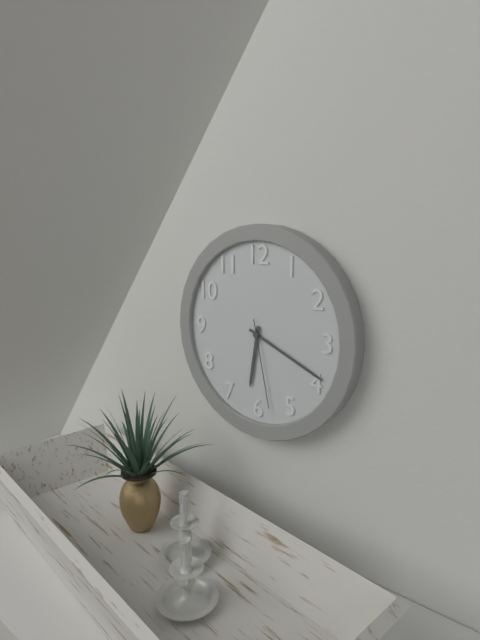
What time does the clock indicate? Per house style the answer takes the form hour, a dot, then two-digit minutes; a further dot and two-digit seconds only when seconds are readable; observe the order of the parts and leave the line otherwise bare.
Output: 6.19.28
